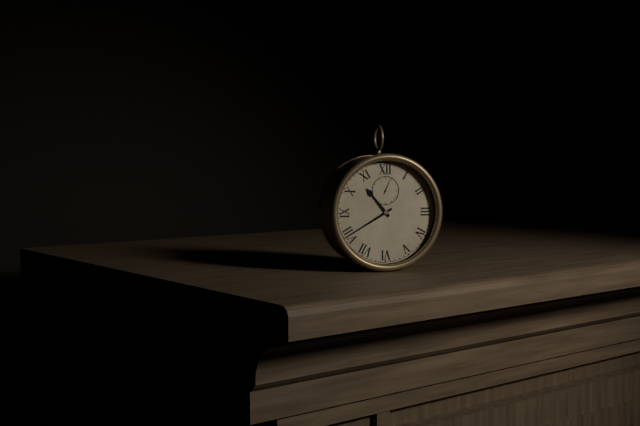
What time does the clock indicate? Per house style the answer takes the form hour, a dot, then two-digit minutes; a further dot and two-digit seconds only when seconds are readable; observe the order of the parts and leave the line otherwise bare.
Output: 10.40
